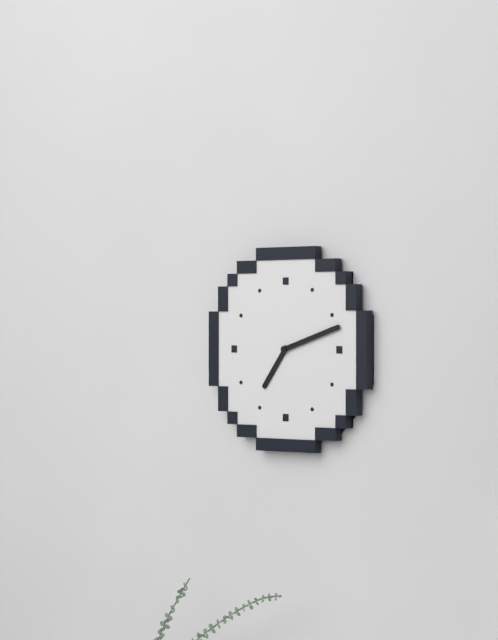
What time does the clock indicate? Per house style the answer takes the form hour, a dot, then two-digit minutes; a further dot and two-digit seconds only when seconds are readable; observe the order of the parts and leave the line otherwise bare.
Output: 7.12
